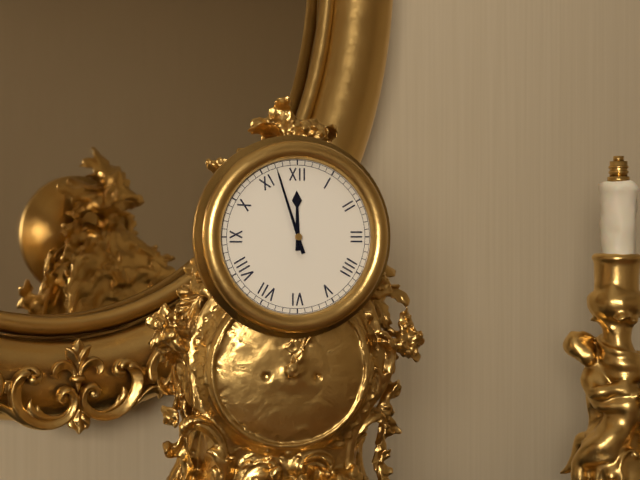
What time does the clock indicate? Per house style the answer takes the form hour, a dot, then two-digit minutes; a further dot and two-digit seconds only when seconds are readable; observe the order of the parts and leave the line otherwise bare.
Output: 11.57
